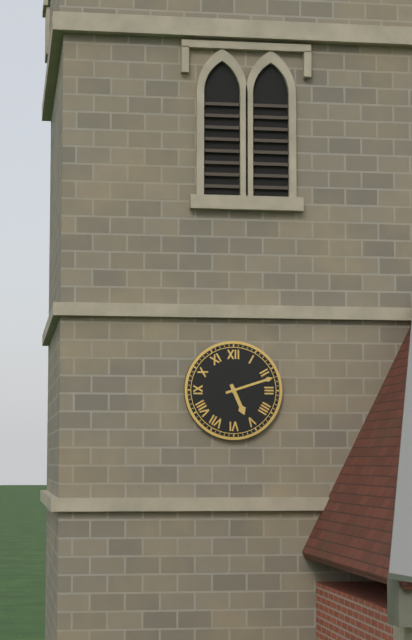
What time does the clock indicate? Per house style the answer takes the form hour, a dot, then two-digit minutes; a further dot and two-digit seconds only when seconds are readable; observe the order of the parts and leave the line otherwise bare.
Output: 5.12
